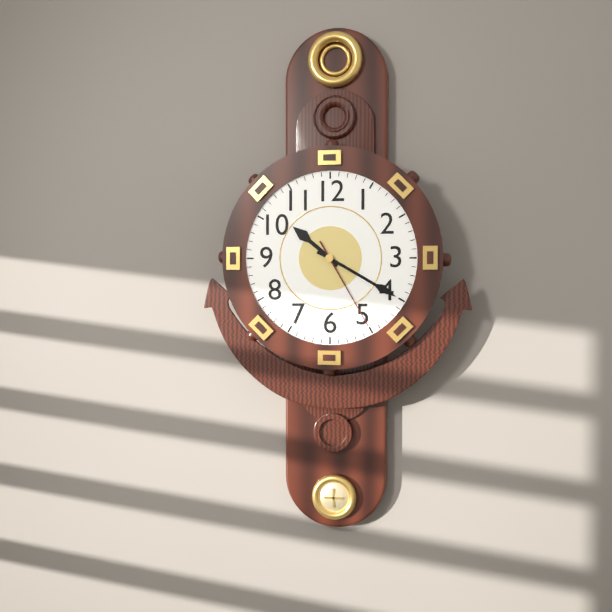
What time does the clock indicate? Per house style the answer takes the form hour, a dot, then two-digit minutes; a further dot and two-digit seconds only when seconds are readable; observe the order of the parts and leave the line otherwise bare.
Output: 10.20.25
